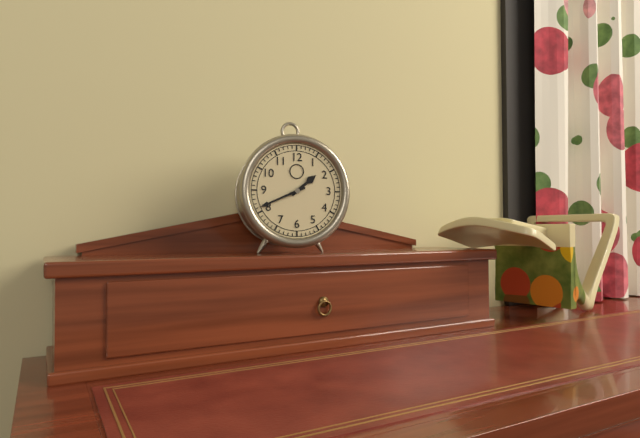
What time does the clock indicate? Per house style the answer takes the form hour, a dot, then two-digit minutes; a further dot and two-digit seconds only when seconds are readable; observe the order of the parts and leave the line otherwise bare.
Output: 1.41
